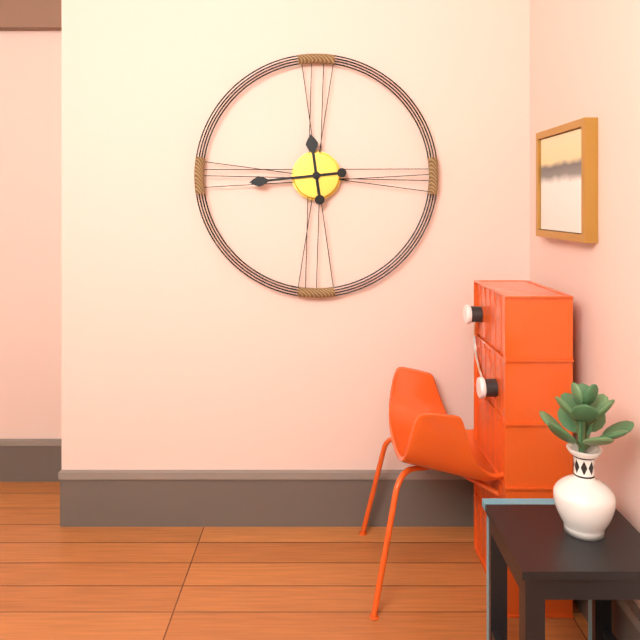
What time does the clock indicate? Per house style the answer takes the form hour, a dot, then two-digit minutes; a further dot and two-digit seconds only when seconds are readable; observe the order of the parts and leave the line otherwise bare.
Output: 11.44
